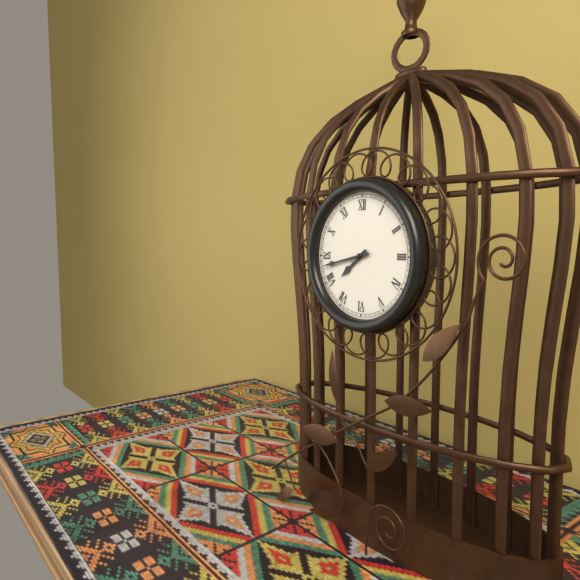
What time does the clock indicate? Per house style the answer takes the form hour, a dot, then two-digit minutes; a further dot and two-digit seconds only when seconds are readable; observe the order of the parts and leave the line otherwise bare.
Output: 7.43
